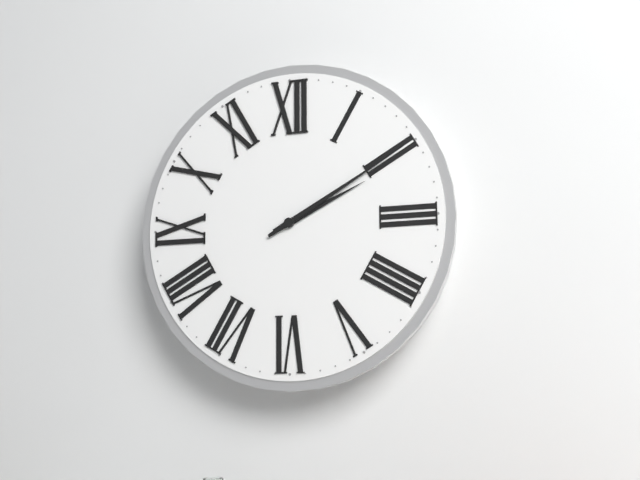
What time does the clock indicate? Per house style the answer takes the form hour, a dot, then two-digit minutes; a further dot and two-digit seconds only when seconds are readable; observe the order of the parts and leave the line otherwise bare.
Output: 2.10
